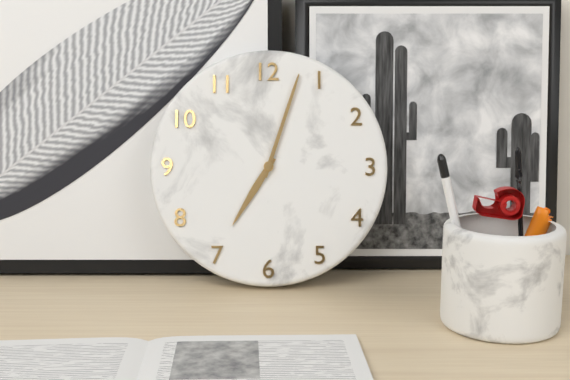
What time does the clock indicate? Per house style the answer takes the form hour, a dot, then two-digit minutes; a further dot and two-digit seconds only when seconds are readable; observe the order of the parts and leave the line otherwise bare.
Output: 7.03
